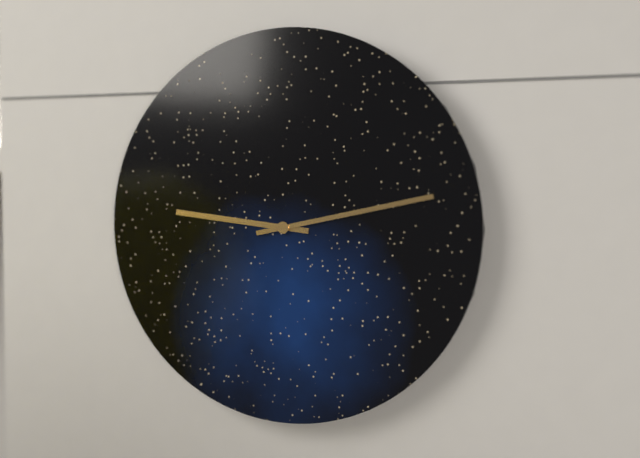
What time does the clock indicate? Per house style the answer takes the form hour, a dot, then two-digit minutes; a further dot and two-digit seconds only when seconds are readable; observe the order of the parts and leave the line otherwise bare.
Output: 9.13
